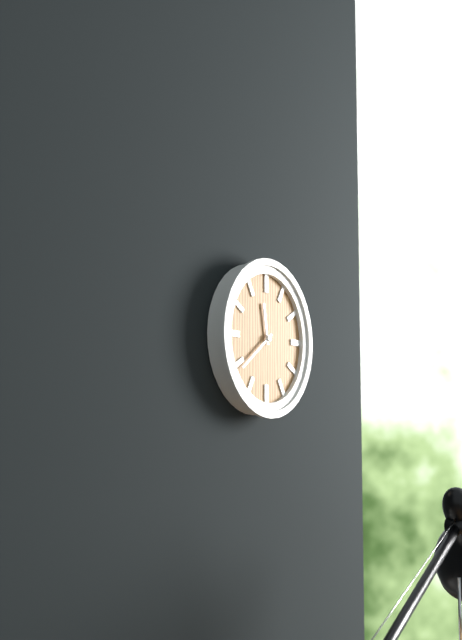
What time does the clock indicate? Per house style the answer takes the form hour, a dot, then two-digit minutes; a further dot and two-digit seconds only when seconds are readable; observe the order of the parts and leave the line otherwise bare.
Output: 11.39
